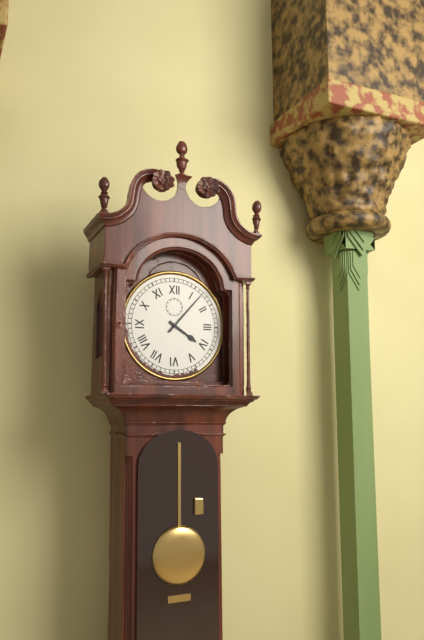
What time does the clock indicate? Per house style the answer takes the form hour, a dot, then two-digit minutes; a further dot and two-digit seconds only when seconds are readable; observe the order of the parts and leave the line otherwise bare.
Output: 4.07
